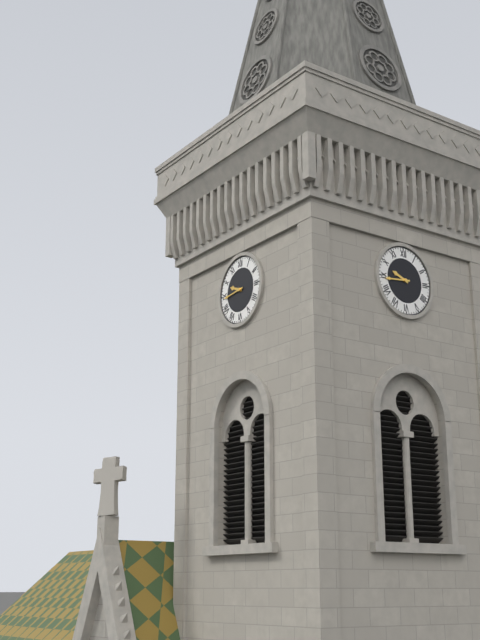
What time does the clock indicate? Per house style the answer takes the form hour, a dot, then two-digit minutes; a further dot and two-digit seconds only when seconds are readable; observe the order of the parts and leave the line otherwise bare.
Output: 9.44
